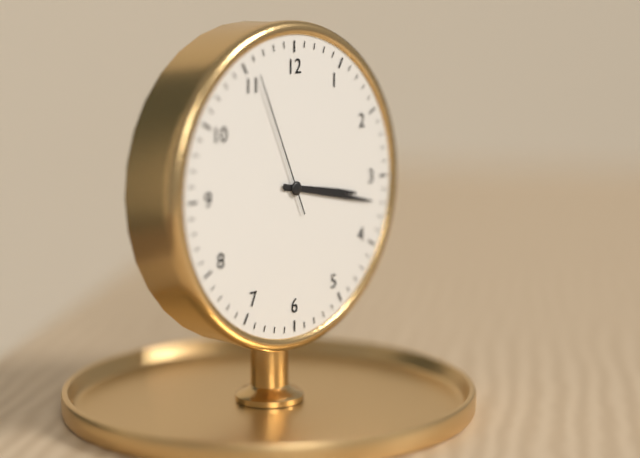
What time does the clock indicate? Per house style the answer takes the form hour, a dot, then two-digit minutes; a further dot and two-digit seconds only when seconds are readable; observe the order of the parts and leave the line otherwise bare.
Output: 3.17.56
